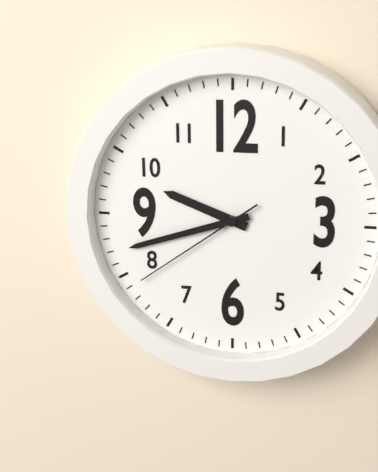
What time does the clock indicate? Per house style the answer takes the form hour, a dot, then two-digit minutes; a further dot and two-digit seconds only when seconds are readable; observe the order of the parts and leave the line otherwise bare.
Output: 9.42.39
